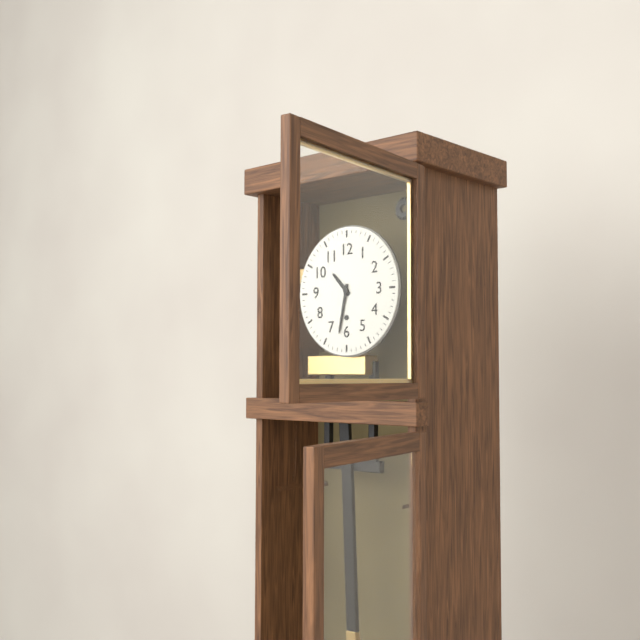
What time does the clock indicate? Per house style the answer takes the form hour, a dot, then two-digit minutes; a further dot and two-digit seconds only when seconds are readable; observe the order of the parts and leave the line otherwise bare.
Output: 10.32
